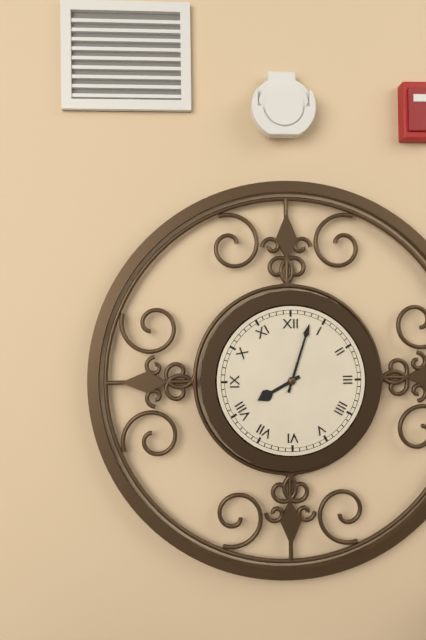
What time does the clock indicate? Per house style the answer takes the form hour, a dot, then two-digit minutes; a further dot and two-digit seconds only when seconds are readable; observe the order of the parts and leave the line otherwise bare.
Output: 8.03
